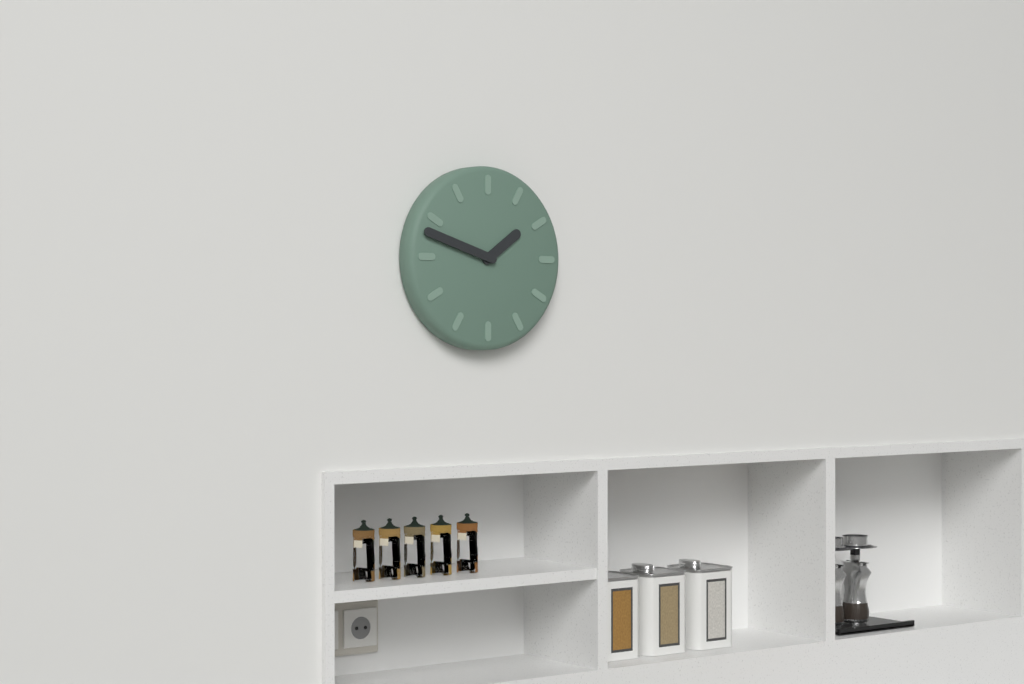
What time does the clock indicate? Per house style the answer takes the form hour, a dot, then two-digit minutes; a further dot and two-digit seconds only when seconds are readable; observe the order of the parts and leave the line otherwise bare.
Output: 1.48
